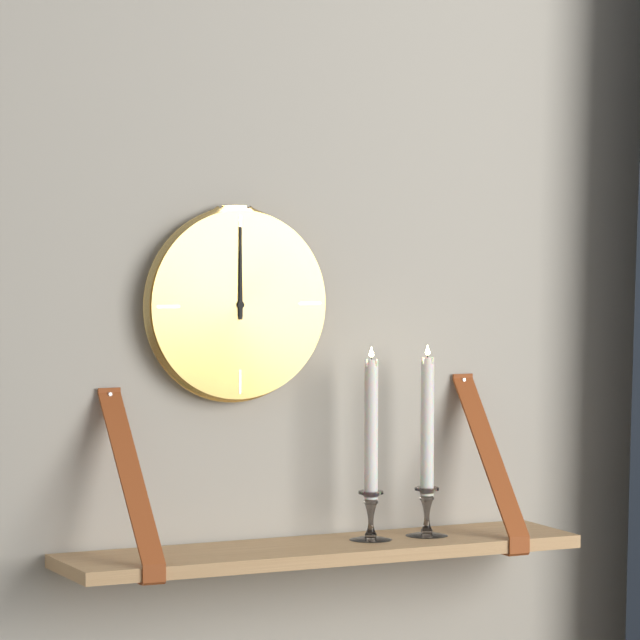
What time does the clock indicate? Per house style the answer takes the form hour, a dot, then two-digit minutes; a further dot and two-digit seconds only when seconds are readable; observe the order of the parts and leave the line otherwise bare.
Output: 12.00
